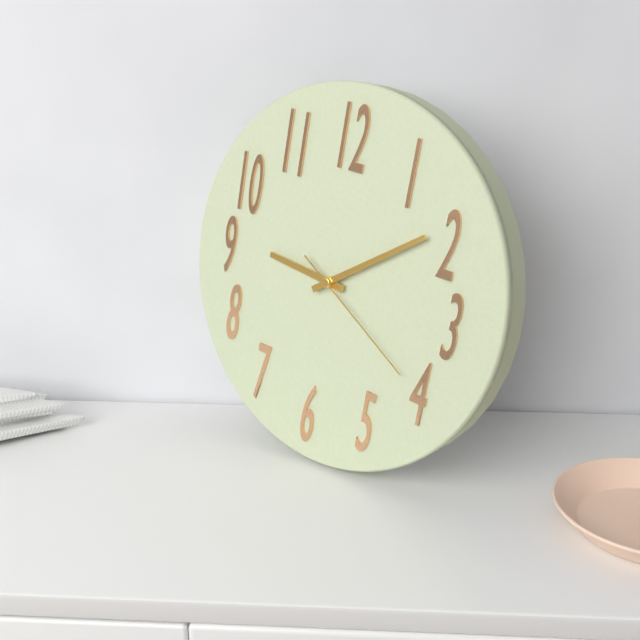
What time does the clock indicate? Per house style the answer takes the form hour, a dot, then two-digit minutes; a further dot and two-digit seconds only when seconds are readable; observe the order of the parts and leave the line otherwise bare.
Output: 9.09.20
